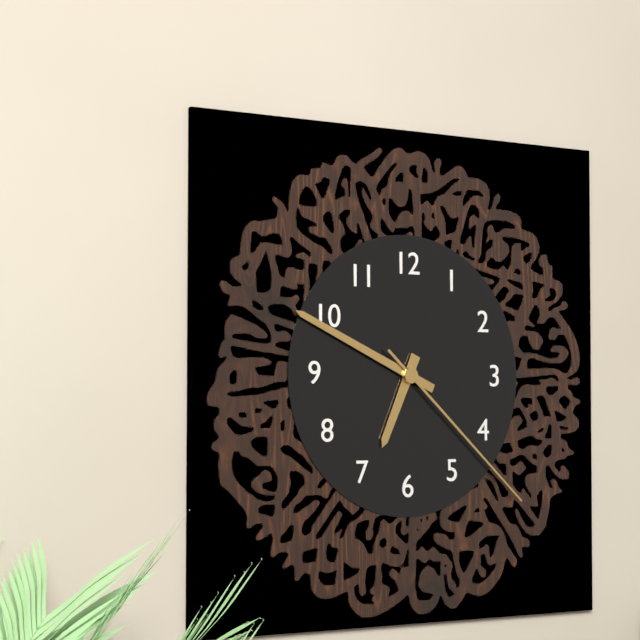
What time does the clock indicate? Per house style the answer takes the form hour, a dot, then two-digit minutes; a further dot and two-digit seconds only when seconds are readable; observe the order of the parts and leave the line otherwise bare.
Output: 6.49.22
